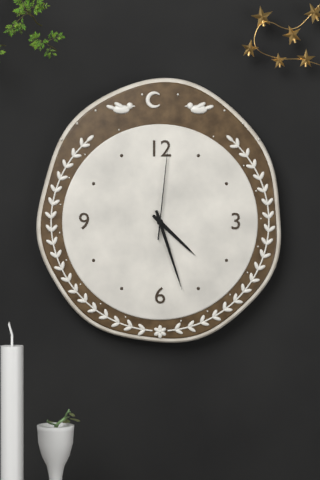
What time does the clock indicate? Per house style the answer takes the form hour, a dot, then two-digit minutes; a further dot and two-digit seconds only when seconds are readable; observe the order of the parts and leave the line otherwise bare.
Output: 4.27.01
